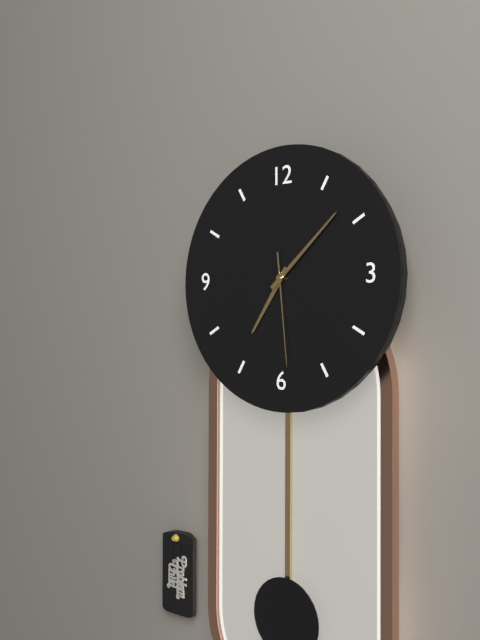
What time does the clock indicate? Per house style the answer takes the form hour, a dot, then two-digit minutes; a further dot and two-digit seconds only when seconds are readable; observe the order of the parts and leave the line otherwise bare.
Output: 7.08.29
